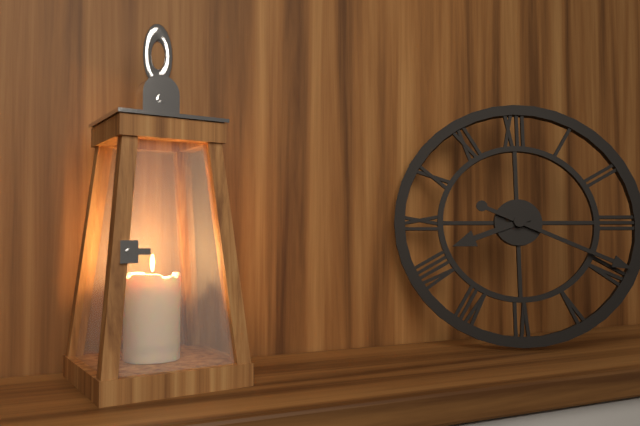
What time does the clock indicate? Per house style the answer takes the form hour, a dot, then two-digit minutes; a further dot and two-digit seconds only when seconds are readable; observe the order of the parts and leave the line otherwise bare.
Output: 8.19
